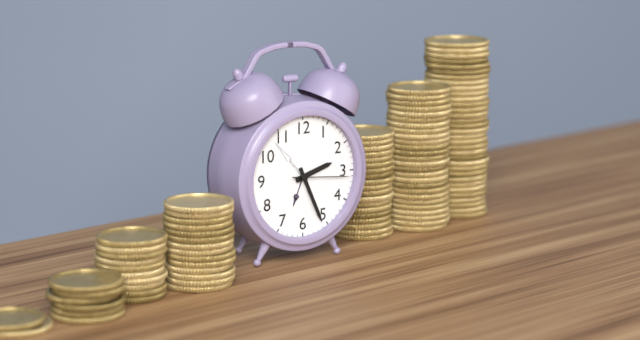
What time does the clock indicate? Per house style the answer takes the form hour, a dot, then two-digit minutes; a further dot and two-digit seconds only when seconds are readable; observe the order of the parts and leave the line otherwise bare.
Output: 2.26.16
